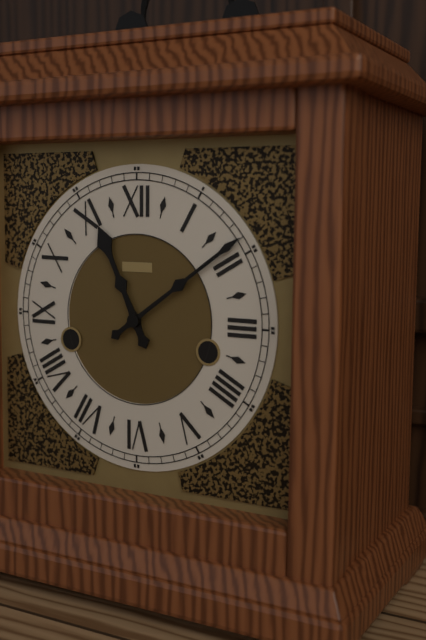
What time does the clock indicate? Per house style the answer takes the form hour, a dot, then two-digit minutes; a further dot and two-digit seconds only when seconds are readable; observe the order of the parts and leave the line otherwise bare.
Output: 11.09
